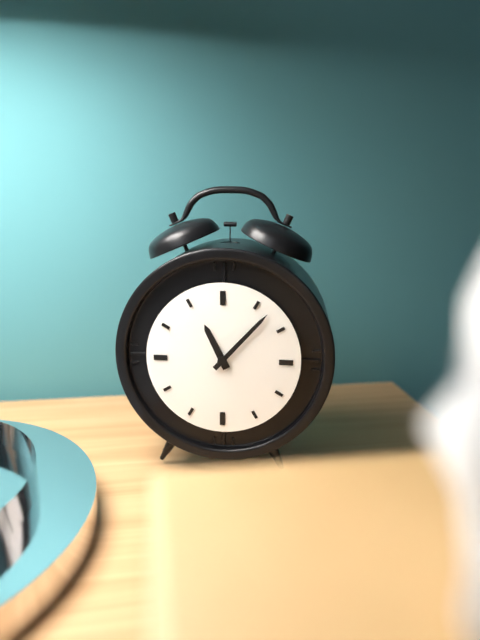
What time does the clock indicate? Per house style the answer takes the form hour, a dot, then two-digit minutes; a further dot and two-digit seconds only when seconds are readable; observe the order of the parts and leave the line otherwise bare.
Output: 11.07
